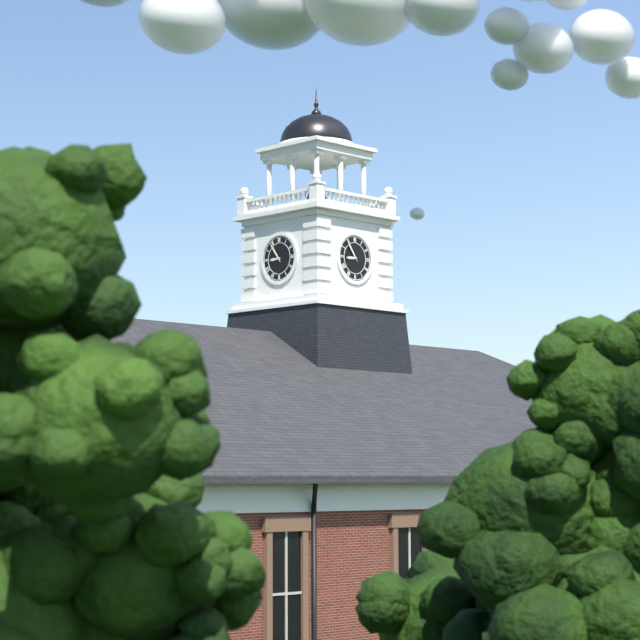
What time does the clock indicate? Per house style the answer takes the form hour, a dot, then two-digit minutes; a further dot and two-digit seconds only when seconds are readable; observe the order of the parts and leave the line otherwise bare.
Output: 8.54
